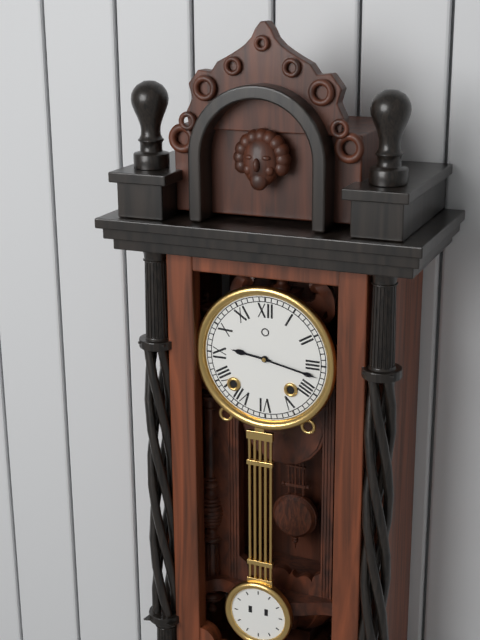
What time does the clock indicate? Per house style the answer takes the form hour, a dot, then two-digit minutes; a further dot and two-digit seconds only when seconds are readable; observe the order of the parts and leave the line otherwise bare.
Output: 9.17
